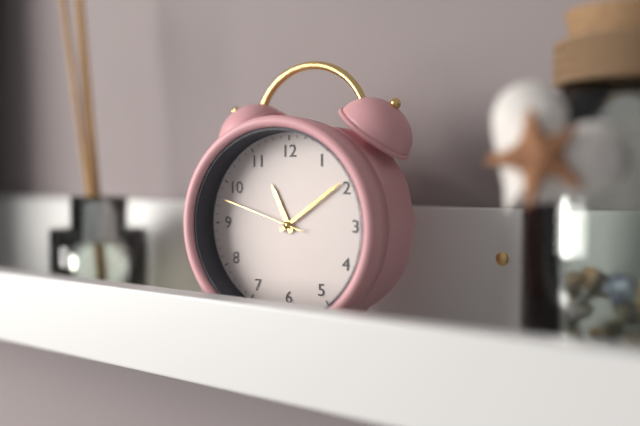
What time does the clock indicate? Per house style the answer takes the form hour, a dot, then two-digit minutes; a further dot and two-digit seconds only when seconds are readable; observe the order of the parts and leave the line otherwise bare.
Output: 11.09.48
